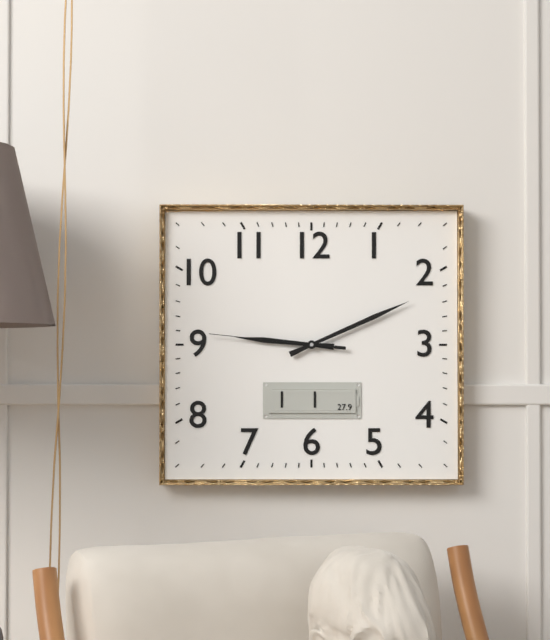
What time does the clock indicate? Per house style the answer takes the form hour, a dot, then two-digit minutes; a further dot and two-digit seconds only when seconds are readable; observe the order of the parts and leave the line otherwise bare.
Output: 9.11.46
